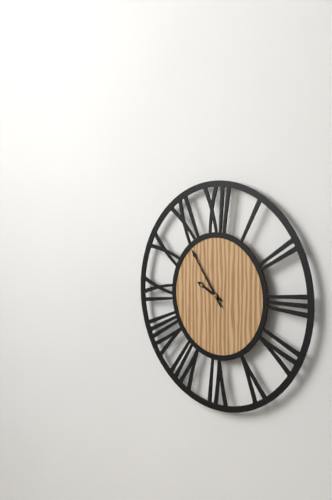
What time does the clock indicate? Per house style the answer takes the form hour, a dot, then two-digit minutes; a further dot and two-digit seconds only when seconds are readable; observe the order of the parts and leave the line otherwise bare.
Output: 9.54
